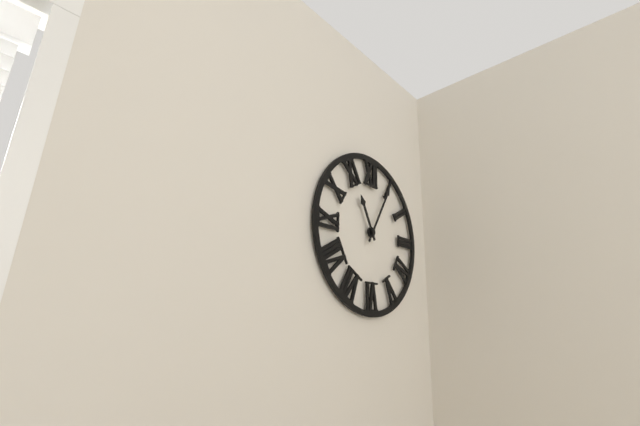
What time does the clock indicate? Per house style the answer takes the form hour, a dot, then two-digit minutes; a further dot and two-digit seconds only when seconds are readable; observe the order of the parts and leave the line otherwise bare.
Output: 11.05
